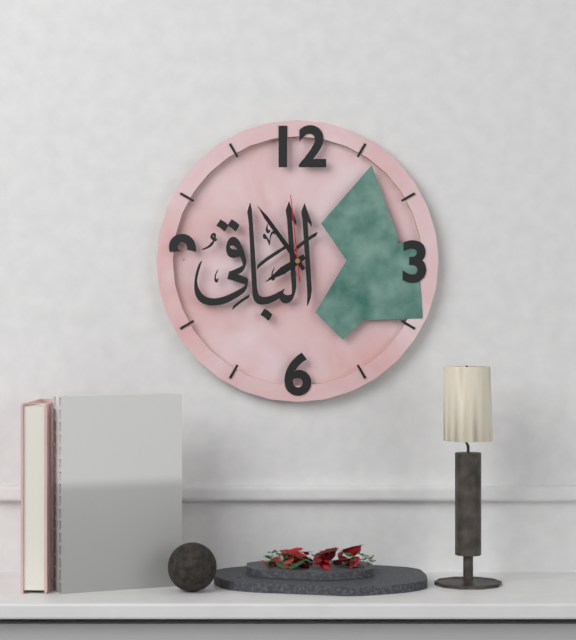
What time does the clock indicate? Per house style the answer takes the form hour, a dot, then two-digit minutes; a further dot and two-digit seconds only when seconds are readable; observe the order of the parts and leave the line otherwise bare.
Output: 7.54.59
